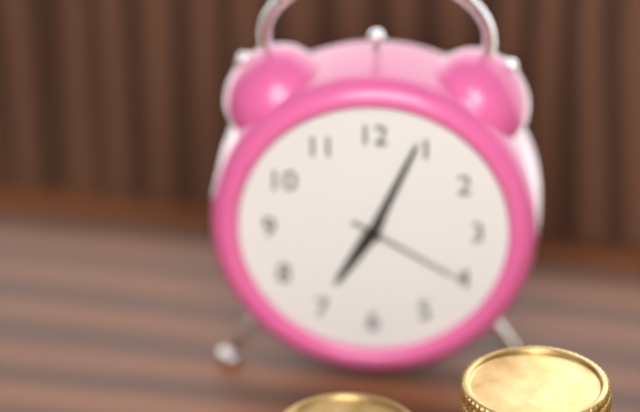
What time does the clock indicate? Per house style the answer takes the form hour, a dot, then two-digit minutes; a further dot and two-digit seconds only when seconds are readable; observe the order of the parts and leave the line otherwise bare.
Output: 7.04.20
